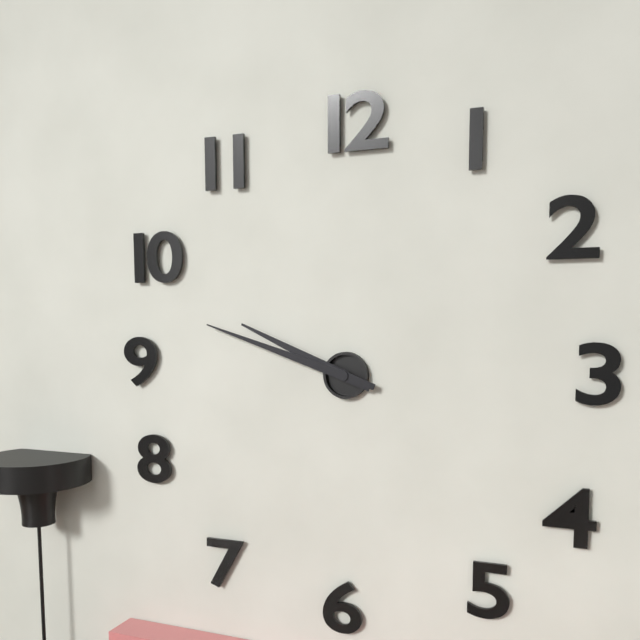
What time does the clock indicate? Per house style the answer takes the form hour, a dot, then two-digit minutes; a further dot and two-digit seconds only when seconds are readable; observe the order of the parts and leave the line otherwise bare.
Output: 9.48
